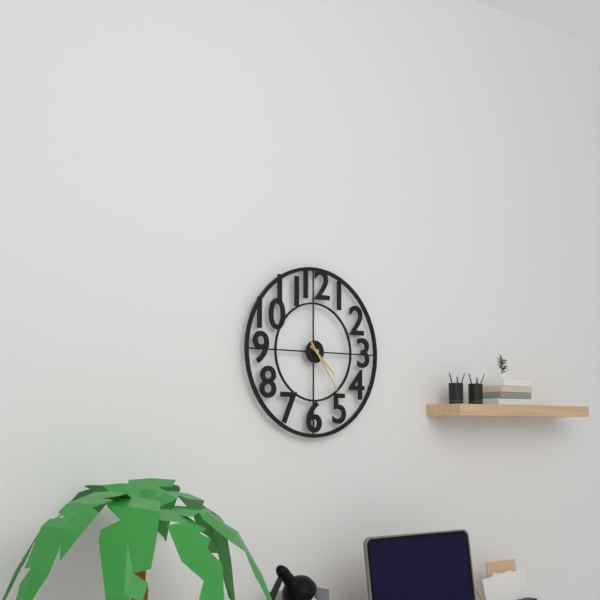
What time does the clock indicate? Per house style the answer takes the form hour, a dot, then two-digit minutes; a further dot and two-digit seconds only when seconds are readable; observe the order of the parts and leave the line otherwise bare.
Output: 4.24
